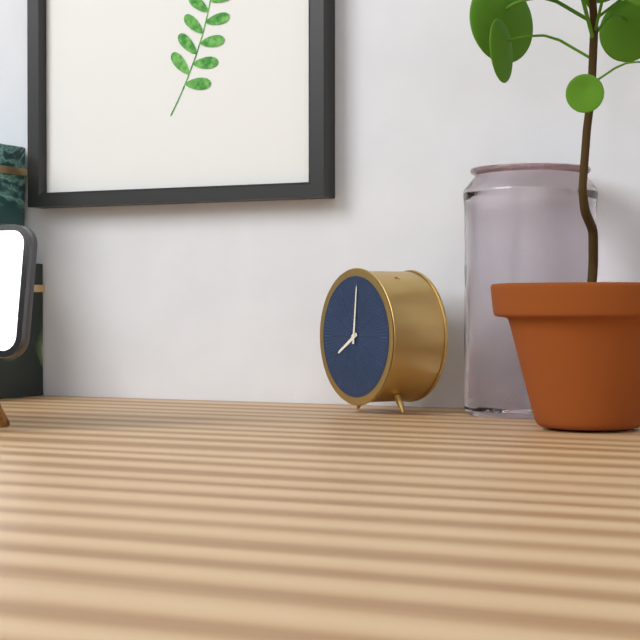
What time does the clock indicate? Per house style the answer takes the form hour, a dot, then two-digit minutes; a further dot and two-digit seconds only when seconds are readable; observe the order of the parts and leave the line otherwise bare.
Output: 8.01
